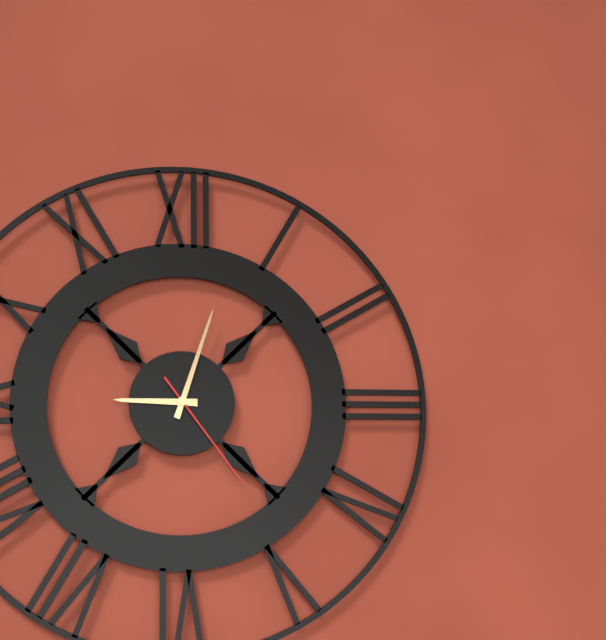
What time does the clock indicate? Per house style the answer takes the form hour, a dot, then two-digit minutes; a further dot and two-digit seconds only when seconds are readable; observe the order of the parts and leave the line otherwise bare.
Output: 9.03.24
